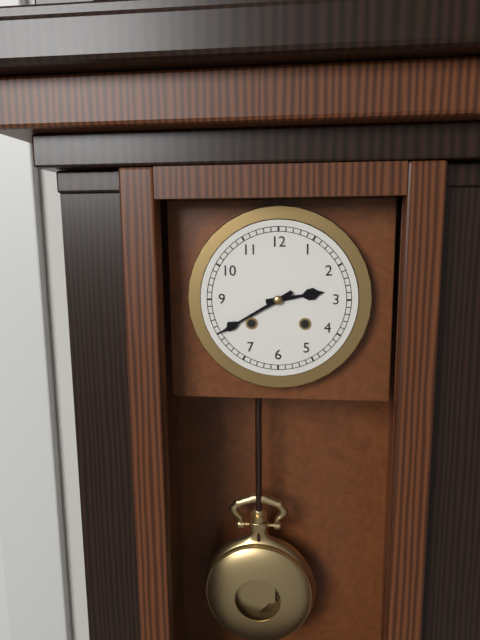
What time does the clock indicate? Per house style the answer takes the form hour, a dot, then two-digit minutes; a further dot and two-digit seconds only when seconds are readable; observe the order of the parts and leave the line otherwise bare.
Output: 2.40
